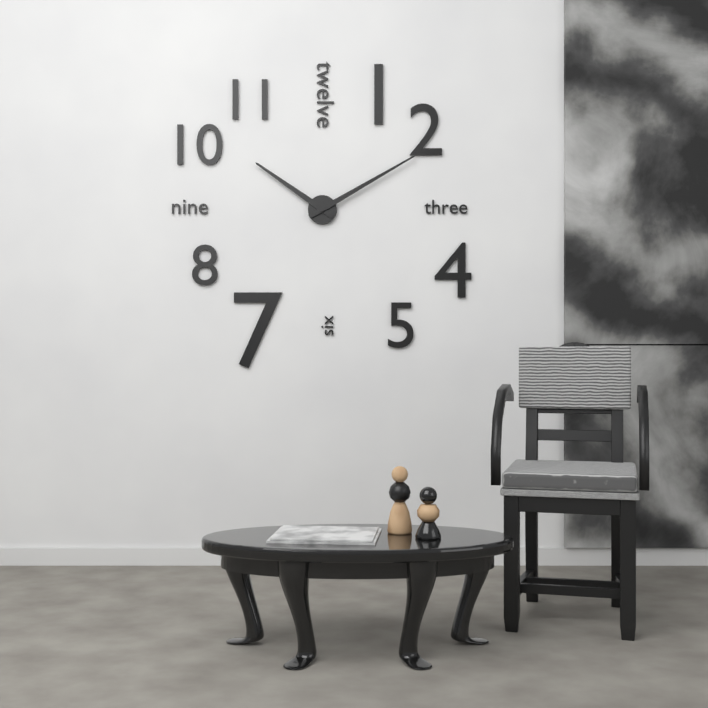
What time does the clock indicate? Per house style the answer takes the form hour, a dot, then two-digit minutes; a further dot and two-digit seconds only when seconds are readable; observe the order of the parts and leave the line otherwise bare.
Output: 10.10
